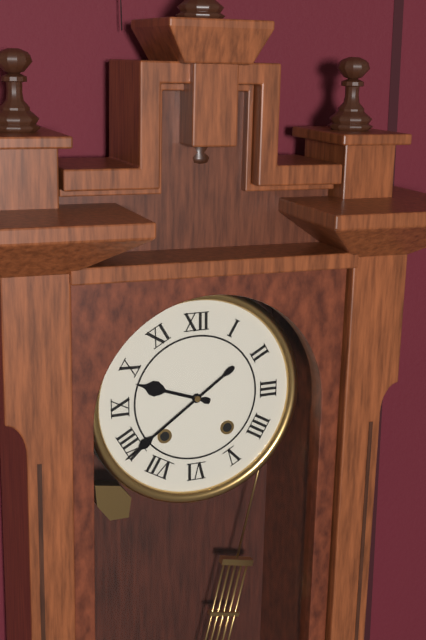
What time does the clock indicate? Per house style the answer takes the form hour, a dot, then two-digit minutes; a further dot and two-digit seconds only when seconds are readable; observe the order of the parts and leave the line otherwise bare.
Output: 9.39
